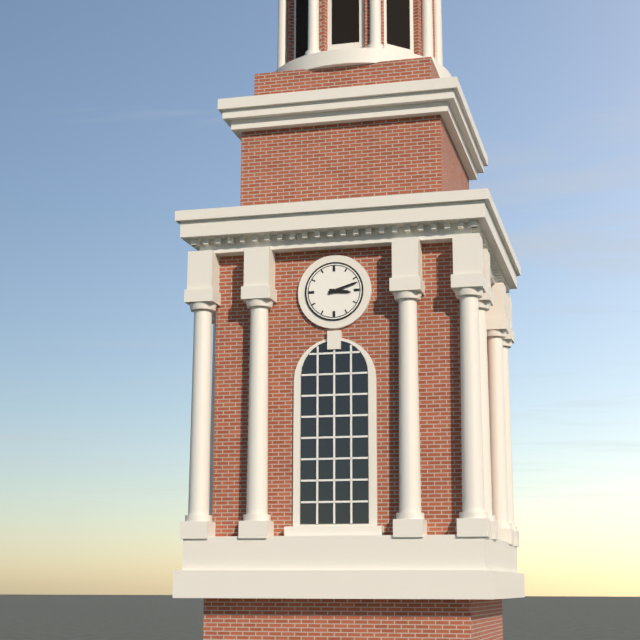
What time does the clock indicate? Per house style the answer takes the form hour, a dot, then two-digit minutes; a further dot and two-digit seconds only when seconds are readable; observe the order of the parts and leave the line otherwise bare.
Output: 3.12
